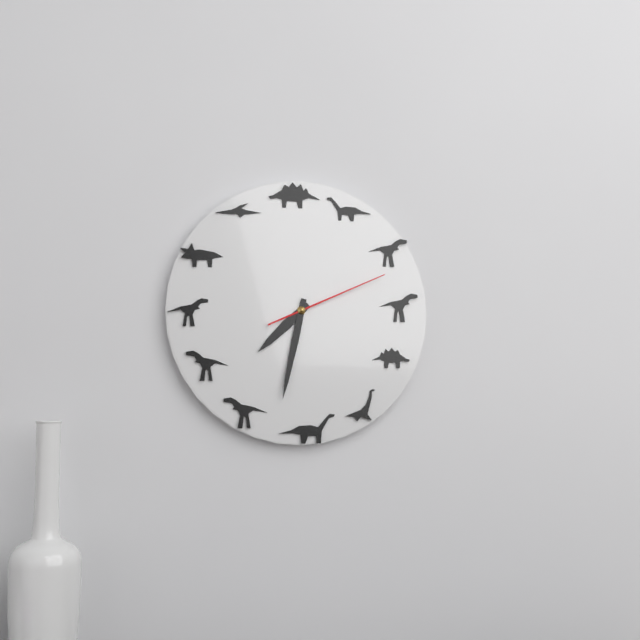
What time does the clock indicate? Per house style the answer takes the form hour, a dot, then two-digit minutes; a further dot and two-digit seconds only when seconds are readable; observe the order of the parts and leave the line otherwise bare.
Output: 7.32.11
